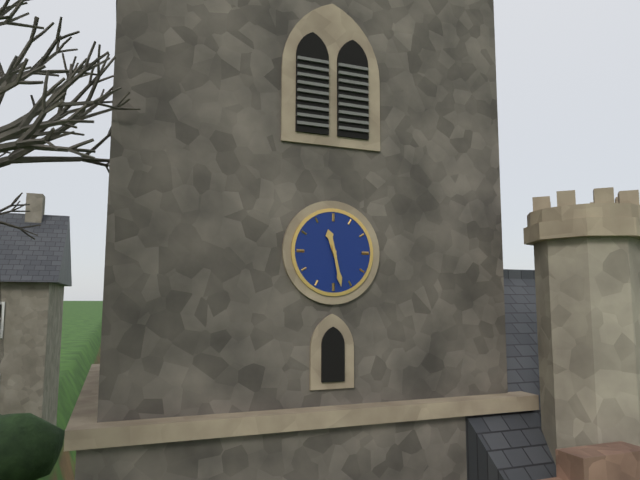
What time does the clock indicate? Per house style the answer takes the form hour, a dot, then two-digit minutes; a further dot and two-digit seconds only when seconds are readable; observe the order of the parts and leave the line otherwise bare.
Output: 11.28
